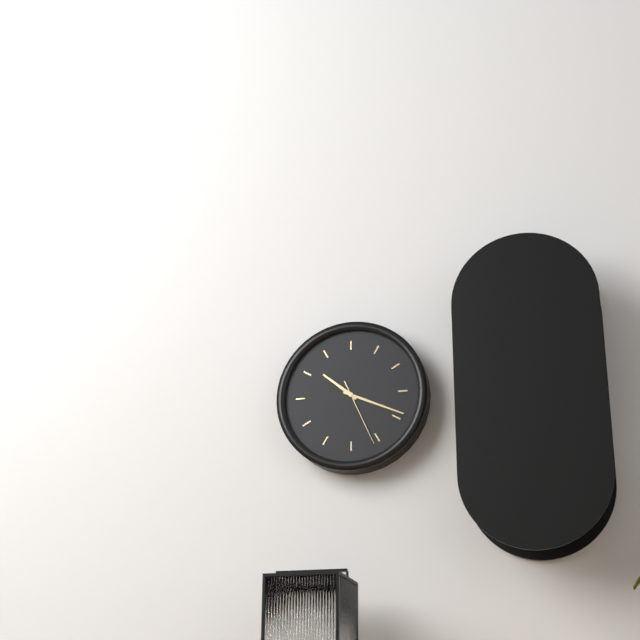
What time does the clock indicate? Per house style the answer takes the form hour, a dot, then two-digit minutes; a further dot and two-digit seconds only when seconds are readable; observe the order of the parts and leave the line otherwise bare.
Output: 10.19.26
